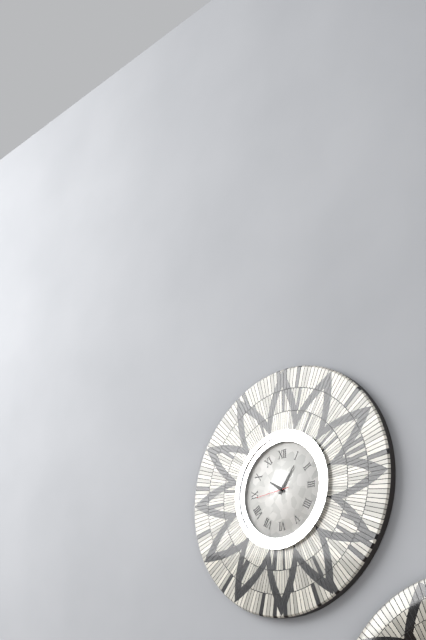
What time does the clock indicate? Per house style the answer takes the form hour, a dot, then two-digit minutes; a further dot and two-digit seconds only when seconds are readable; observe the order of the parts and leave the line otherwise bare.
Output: 10.06
